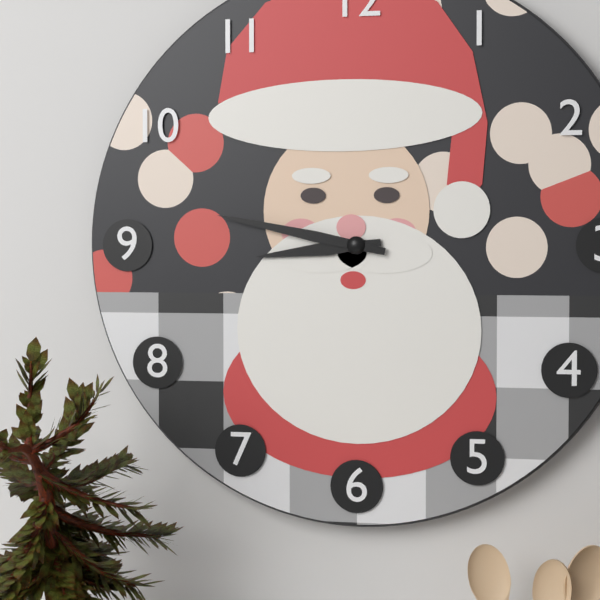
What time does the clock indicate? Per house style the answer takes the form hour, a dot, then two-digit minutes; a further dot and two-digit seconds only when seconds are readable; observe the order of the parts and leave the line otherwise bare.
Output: 8.47
